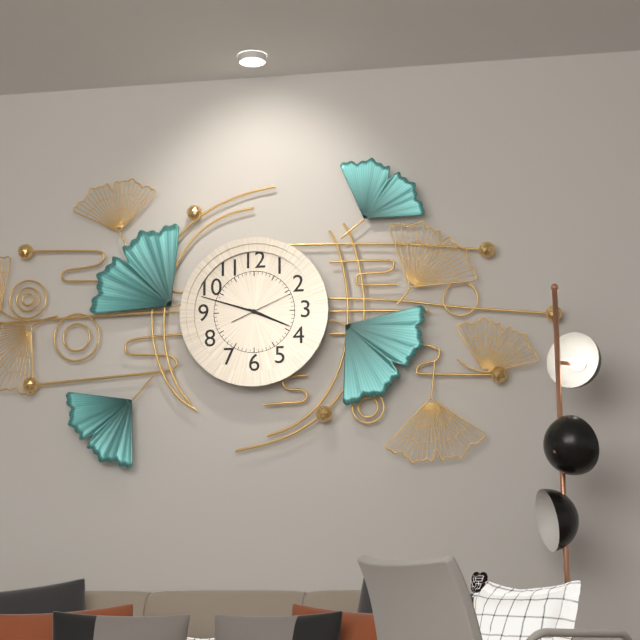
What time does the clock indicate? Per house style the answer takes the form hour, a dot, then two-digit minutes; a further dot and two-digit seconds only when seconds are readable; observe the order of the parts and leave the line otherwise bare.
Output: 3.48.11
